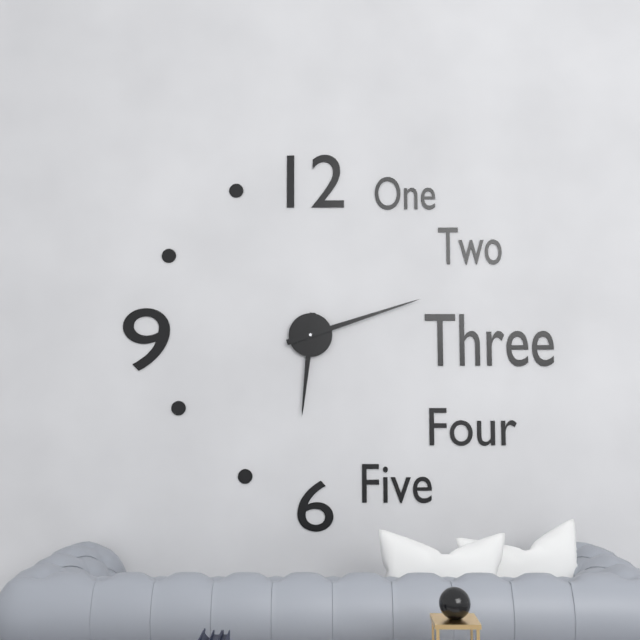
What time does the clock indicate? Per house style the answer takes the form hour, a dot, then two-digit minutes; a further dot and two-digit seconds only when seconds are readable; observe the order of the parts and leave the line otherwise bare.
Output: 6.12
